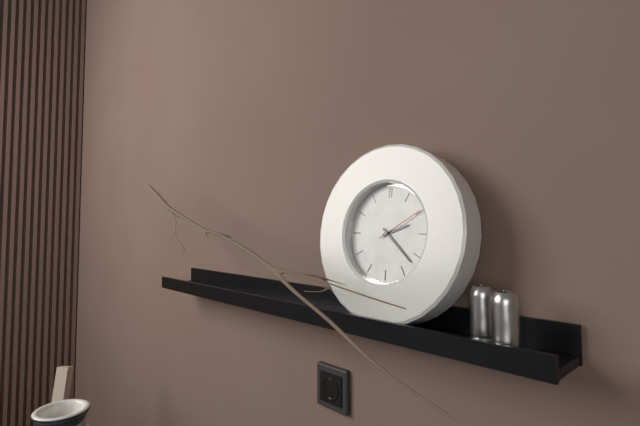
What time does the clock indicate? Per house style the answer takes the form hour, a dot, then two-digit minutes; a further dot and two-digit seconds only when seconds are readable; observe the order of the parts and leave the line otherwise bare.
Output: 2.22.10
